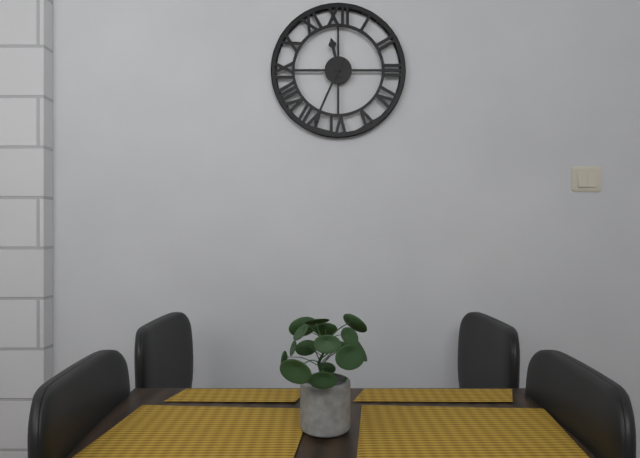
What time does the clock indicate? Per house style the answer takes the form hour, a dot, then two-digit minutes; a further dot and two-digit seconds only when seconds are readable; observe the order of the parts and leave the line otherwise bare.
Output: 11.34
